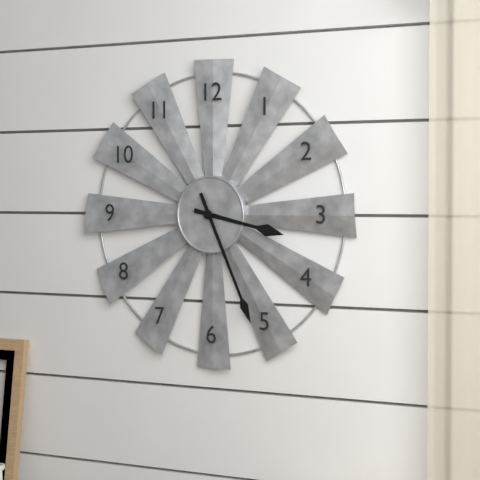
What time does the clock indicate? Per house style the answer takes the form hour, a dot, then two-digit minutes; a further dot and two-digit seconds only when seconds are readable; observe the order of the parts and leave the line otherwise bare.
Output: 3.26
